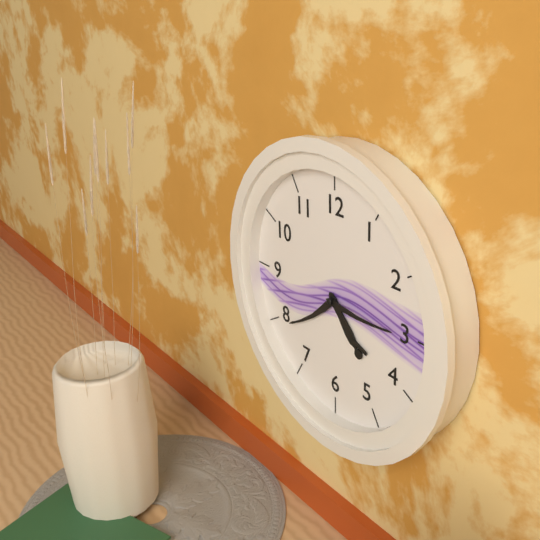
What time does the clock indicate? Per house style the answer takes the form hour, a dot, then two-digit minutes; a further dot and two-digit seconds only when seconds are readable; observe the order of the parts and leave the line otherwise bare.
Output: 4.39.15
